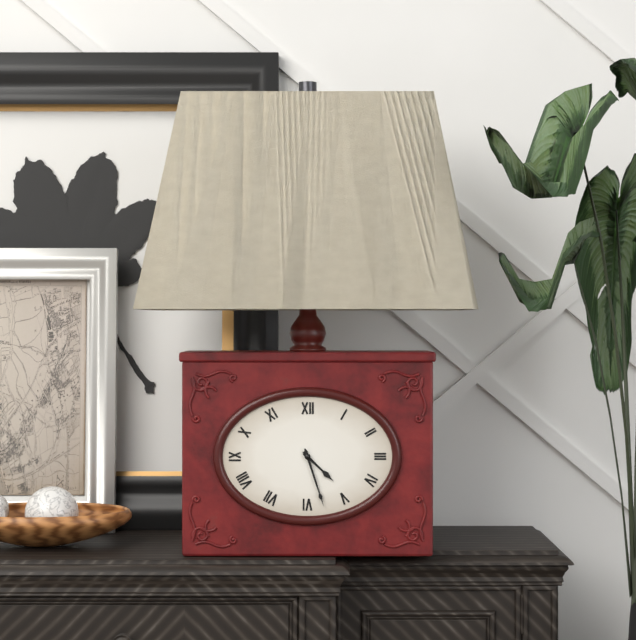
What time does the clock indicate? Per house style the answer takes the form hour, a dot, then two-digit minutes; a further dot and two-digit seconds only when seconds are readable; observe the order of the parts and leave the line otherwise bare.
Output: 4.27
